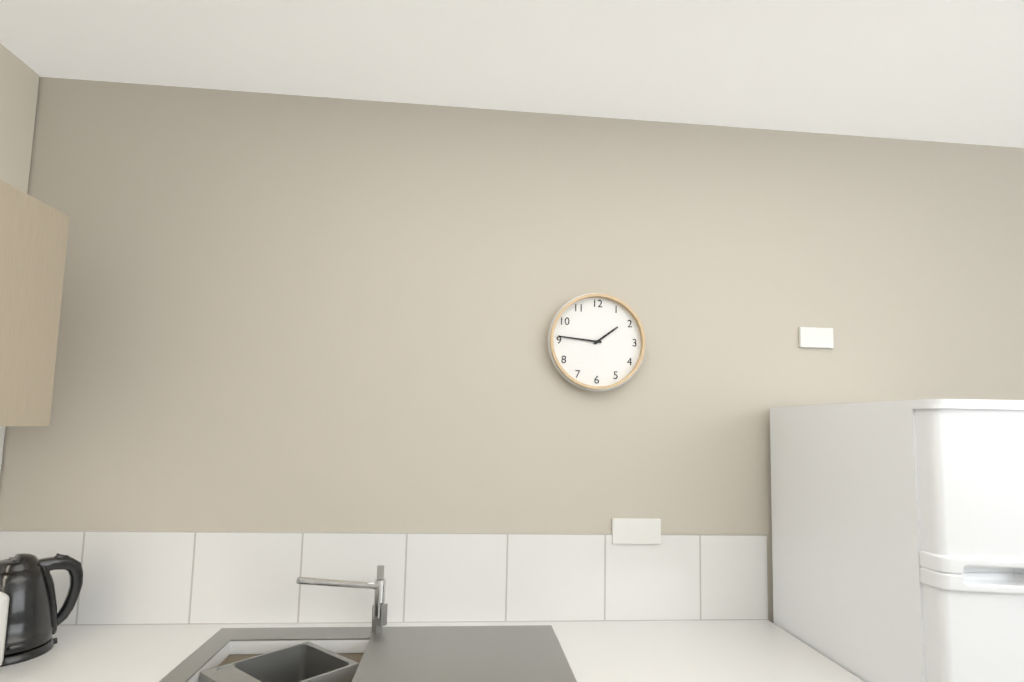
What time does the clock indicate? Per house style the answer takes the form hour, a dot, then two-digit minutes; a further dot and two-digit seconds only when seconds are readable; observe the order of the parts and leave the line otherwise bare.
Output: 1.46
